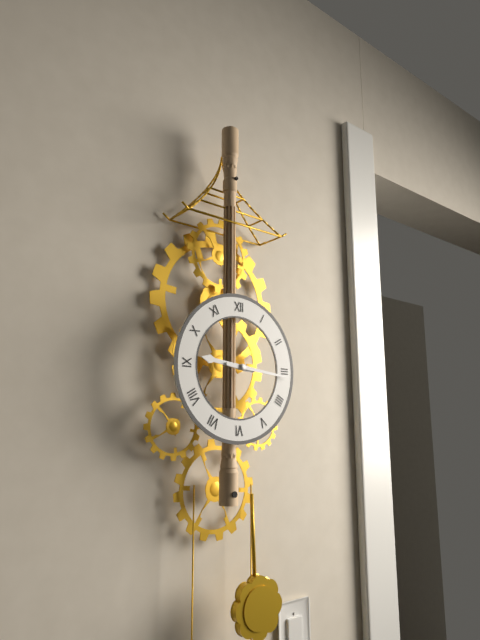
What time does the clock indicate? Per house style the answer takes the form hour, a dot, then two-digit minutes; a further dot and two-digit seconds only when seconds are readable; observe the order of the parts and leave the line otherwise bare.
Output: 9.16
